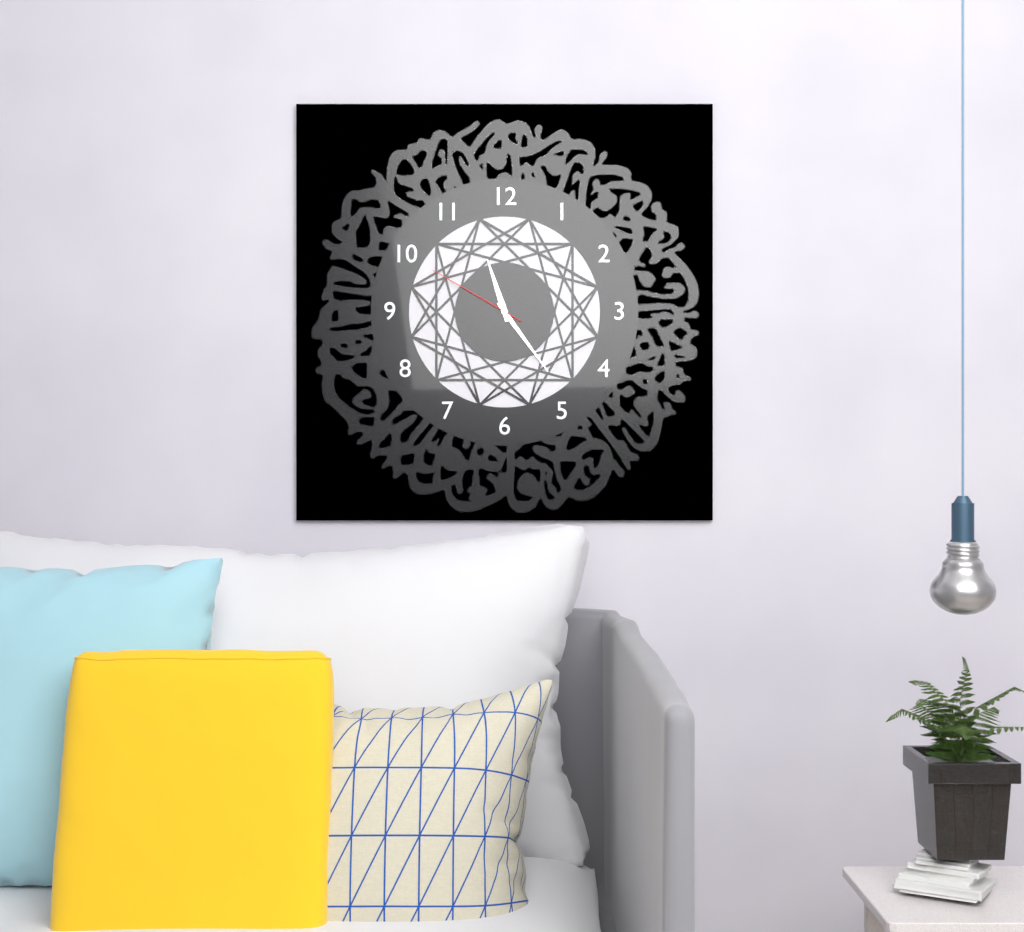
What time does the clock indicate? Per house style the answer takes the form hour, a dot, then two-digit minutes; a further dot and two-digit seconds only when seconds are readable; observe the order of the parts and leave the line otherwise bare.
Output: 11.24.50
